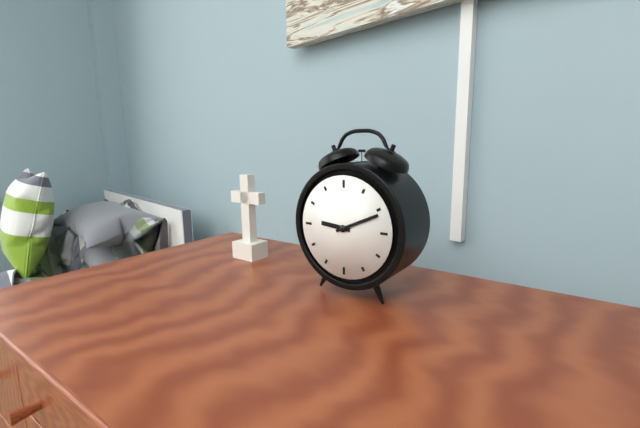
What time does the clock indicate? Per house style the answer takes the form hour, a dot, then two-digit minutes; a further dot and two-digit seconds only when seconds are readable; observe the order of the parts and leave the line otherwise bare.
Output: 9.11
